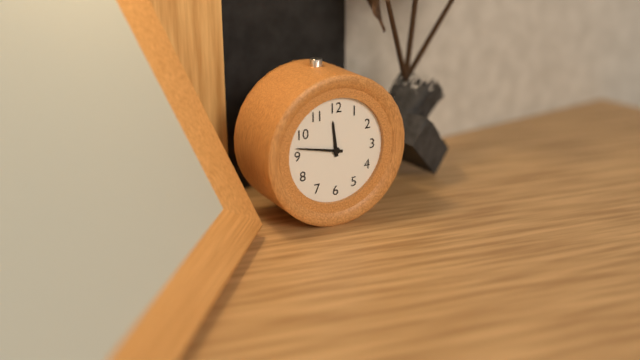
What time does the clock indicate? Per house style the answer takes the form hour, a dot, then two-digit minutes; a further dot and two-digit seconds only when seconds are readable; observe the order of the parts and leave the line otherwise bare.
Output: 11.47
